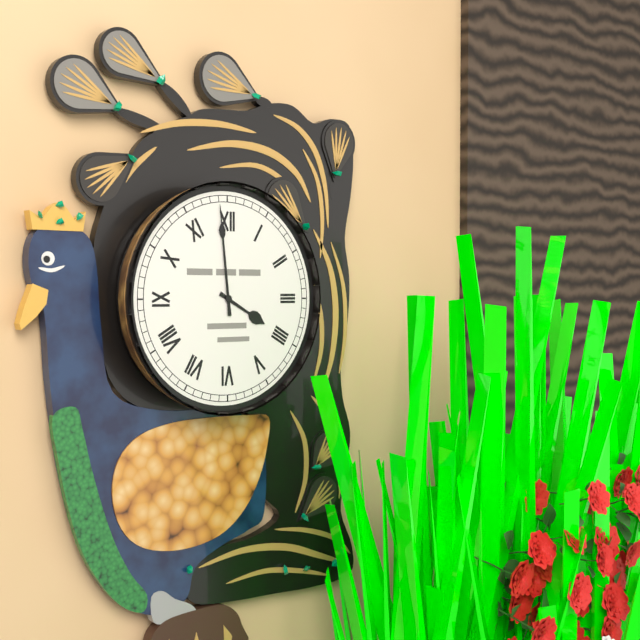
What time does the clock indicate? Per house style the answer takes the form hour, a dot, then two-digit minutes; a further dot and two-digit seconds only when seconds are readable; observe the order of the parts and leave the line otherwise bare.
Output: 3.59
